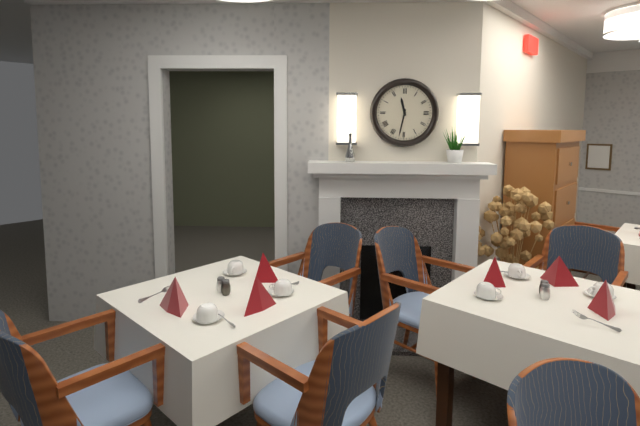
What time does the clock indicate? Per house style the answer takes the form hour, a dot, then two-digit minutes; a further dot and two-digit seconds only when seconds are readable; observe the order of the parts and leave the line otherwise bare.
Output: 11.32
